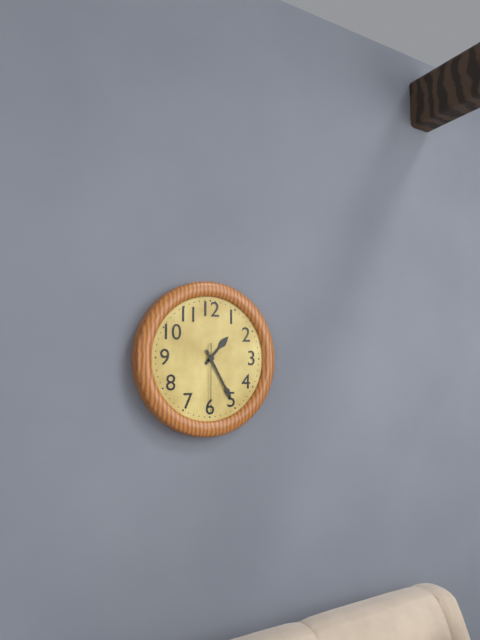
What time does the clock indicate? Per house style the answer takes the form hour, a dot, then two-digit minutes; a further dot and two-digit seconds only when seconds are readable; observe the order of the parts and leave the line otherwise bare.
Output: 1.25.30
